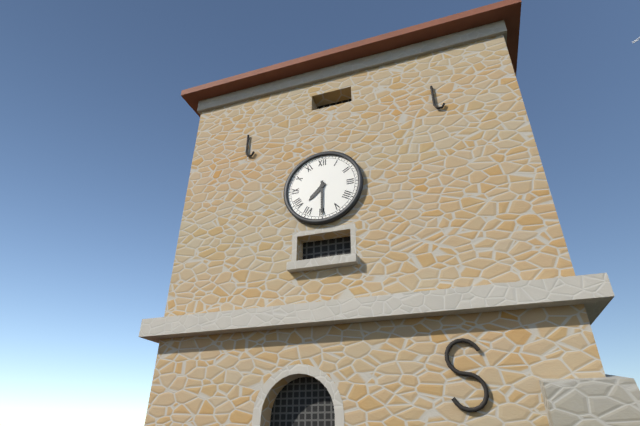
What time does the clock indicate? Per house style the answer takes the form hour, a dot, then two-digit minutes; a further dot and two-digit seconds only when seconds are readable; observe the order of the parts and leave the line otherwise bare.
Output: 7.30
